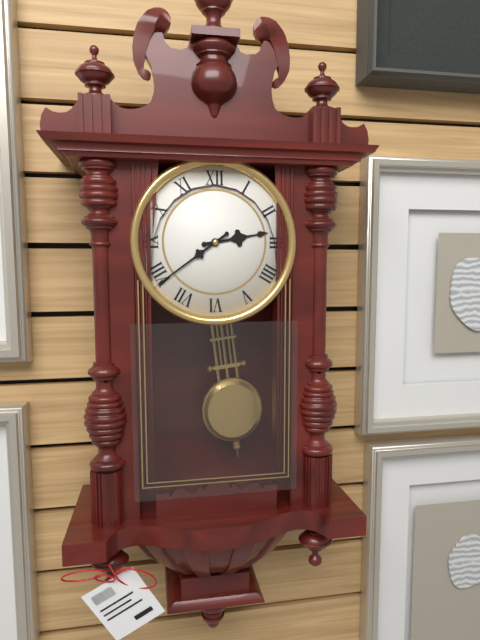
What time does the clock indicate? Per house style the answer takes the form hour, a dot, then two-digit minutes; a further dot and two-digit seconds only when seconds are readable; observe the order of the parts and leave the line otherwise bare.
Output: 2.39
